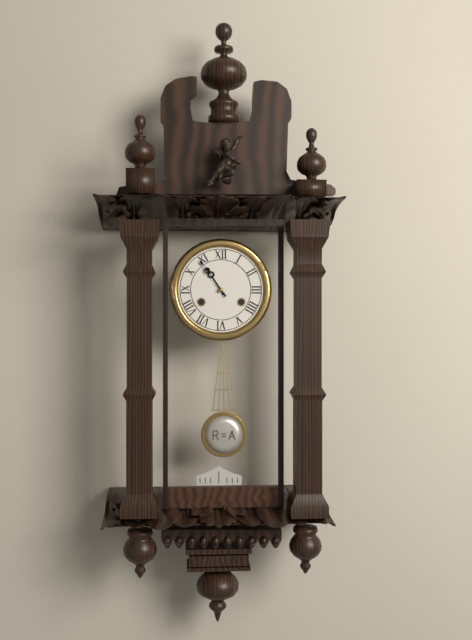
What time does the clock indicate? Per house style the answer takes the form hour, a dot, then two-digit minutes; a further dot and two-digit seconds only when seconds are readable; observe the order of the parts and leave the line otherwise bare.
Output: 10.54
